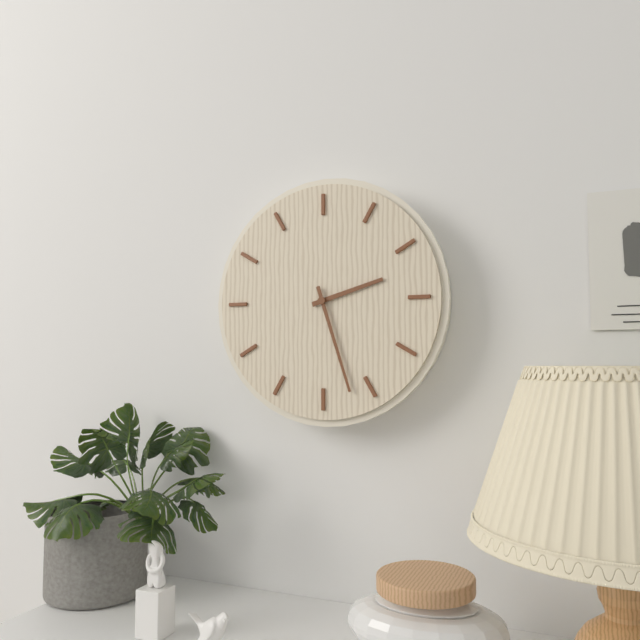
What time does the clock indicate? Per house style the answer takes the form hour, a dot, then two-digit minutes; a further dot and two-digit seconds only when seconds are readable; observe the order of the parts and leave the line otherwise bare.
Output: 2.27
